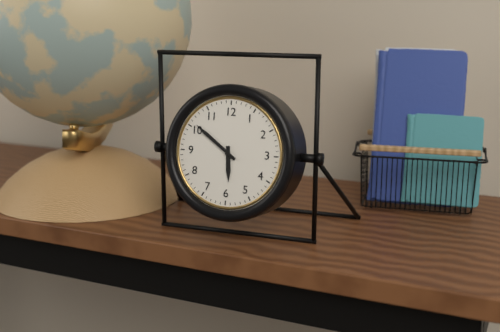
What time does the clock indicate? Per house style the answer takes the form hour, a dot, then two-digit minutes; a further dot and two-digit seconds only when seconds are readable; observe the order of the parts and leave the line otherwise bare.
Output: 5.51
